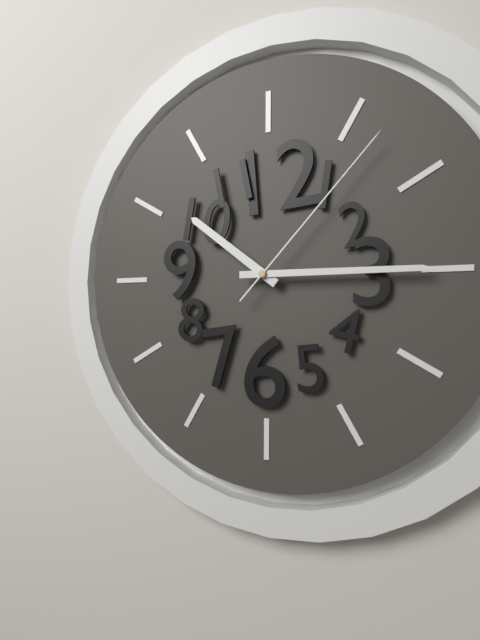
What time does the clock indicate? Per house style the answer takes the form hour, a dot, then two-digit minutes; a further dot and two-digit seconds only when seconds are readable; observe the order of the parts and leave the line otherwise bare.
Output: 10.15.07
